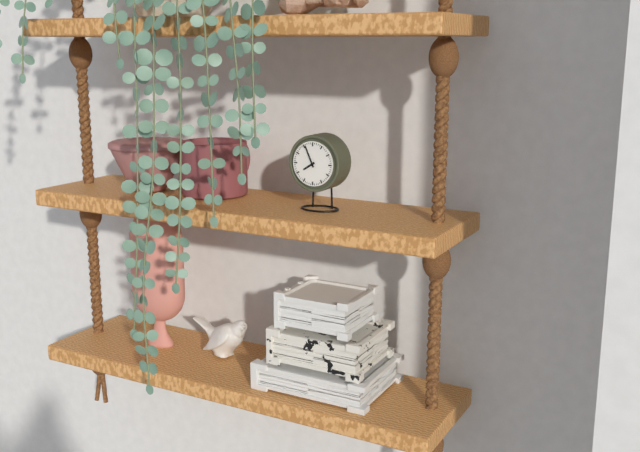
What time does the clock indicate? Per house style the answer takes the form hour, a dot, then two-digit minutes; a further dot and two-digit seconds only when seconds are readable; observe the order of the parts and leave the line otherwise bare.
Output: 7.56
